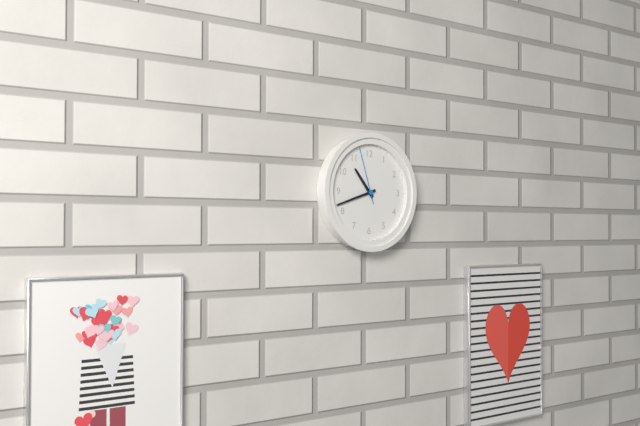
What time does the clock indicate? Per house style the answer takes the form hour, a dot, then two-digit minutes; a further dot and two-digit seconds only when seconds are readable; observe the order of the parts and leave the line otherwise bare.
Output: 10.42.57
